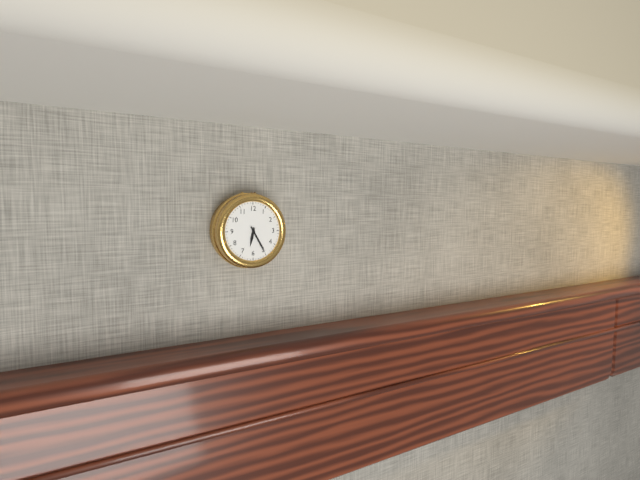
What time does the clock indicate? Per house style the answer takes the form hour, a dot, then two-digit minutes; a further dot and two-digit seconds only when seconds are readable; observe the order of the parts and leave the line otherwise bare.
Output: 6.25
